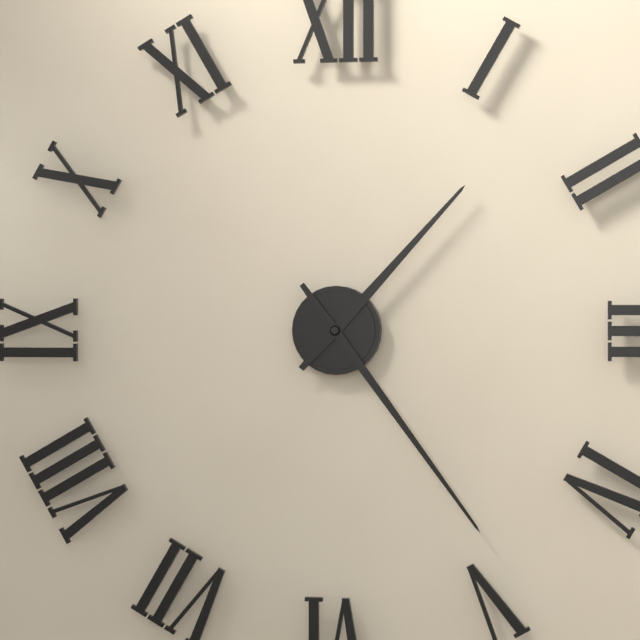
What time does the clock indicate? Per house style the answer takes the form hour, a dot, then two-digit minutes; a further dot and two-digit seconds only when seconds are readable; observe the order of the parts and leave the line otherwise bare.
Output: 1.24
